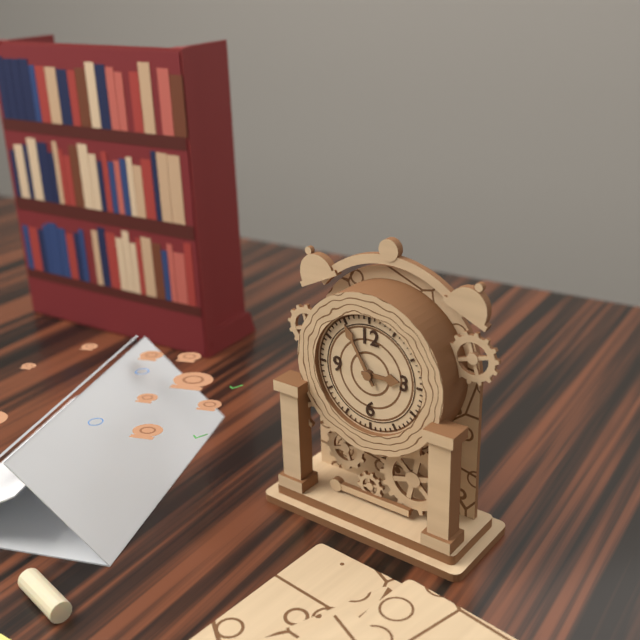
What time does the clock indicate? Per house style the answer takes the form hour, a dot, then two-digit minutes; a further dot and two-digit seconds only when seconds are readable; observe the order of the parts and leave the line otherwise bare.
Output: 2.55
